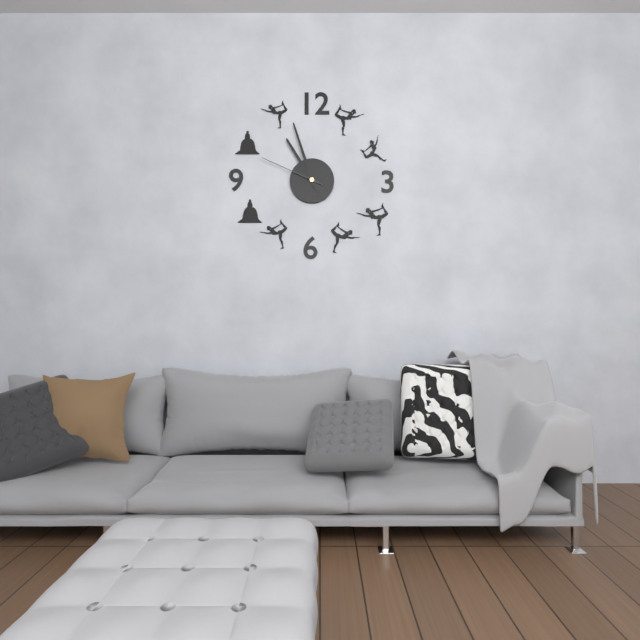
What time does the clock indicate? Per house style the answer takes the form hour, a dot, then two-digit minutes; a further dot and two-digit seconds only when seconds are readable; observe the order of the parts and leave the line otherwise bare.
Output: 10.57.49
